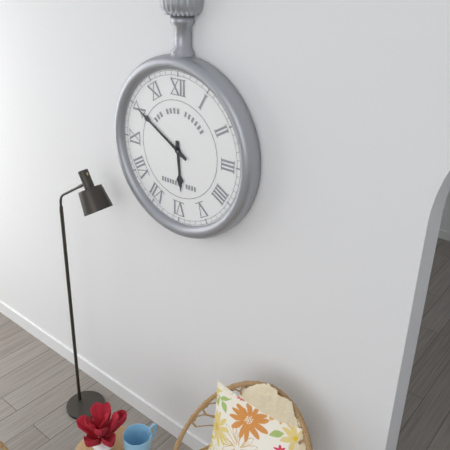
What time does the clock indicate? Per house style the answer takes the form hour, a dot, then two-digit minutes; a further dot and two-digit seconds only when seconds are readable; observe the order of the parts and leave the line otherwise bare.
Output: 5.50
